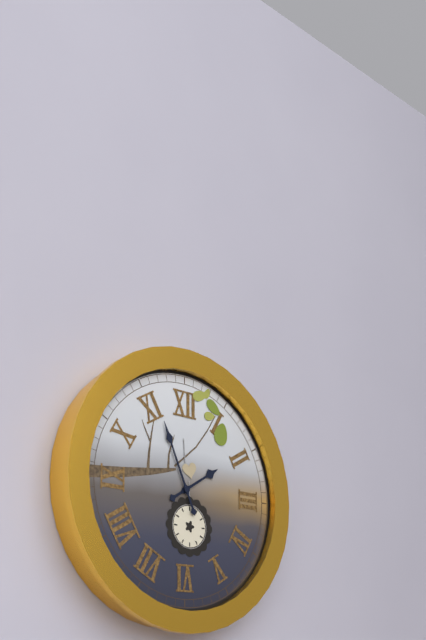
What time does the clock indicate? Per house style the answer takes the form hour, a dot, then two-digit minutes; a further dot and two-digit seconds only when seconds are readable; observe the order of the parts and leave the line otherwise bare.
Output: 1.56
